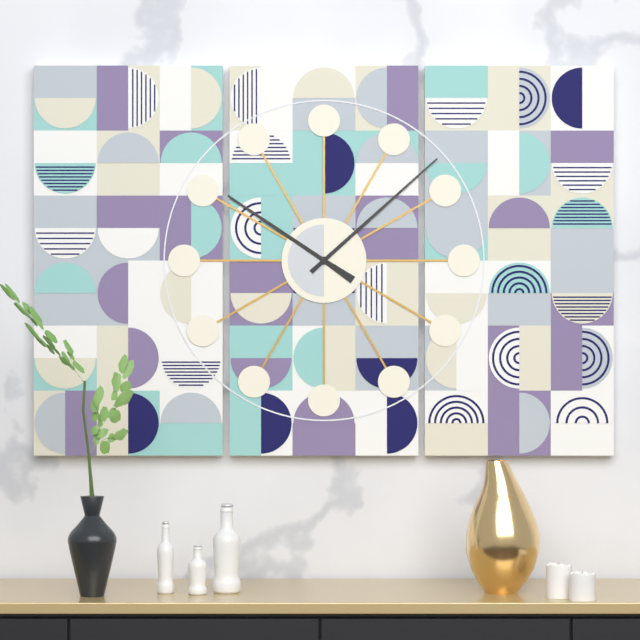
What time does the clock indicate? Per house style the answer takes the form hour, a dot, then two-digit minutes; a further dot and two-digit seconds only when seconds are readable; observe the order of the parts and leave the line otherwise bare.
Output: 10.08
